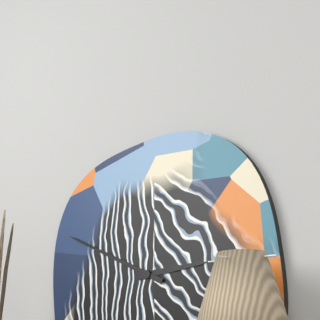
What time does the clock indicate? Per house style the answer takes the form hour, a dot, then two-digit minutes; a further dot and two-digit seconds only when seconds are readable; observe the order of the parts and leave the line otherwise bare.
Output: 2.49
